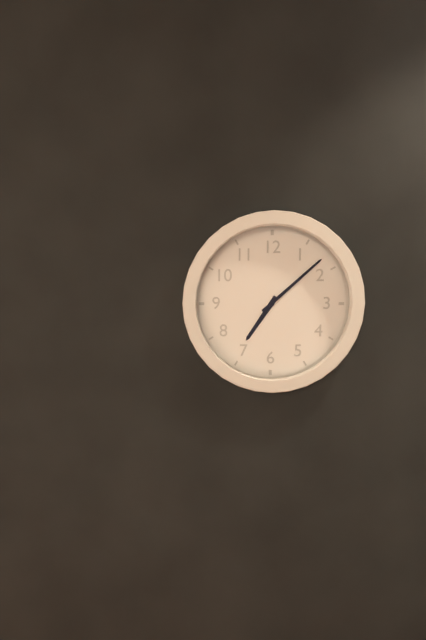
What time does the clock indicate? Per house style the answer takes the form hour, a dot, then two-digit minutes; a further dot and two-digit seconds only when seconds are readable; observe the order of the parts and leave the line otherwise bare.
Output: 7.08
